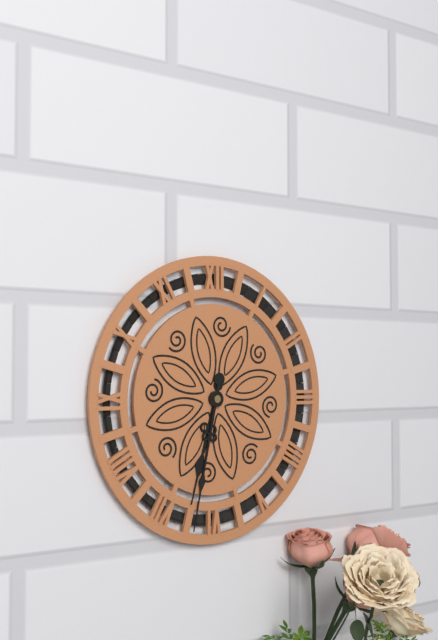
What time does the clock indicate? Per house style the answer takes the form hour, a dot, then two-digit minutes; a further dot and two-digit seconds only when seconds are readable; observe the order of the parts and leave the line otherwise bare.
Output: 6.32
